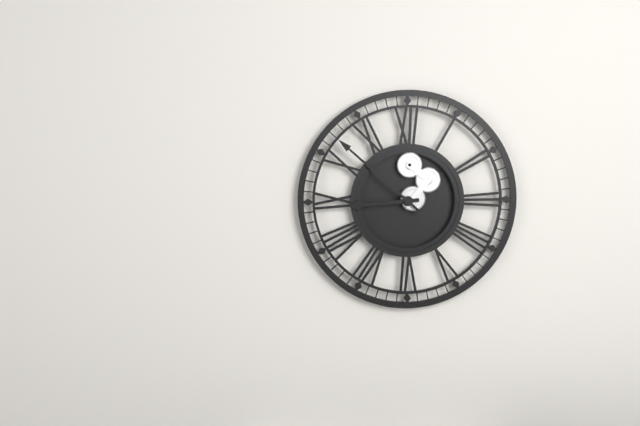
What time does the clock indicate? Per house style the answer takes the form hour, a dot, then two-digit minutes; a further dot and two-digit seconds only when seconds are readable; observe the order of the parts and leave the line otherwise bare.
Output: 8.52
